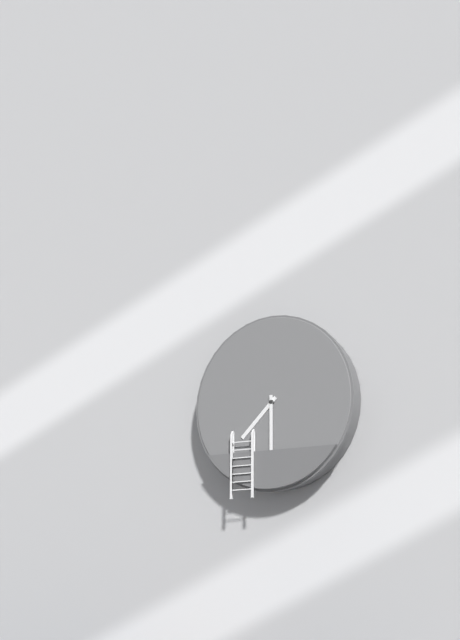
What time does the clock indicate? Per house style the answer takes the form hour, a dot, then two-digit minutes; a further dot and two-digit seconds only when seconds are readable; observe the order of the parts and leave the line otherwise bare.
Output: 7.30
